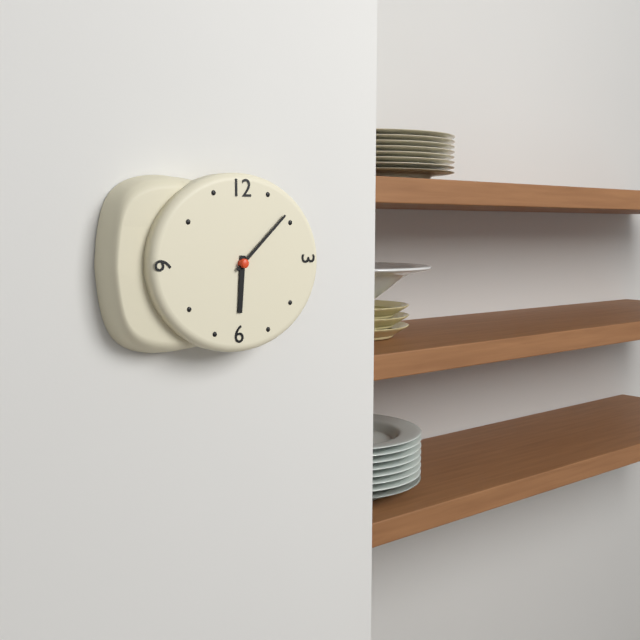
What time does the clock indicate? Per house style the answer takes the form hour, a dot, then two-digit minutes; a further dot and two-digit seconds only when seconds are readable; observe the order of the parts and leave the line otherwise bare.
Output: 6.08
